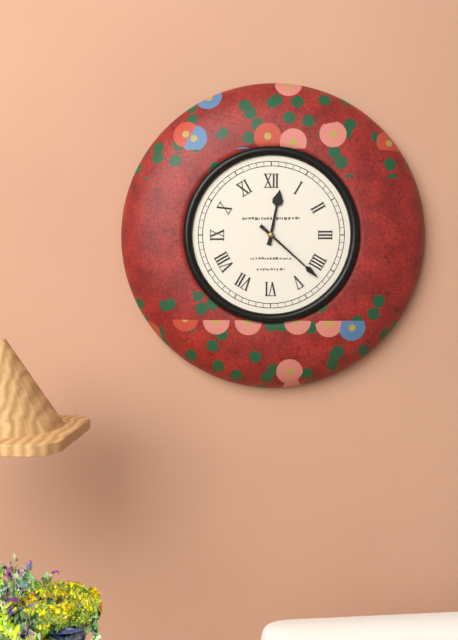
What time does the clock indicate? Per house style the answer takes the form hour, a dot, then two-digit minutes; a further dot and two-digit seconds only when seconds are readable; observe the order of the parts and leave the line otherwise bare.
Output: 12.22
